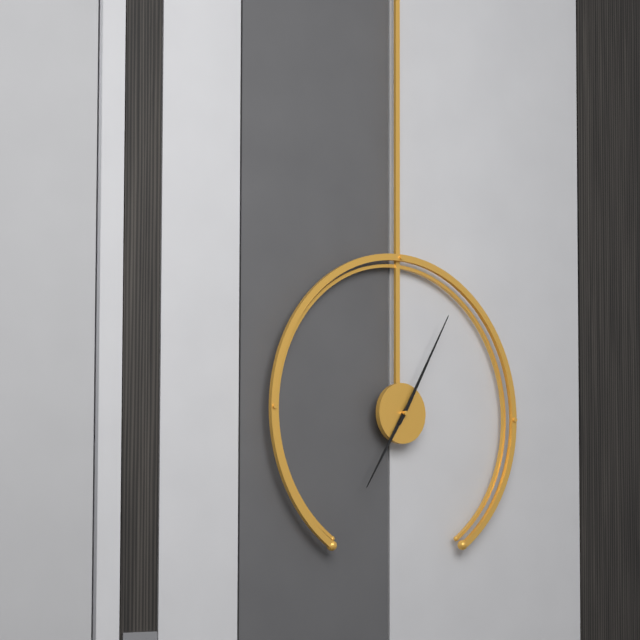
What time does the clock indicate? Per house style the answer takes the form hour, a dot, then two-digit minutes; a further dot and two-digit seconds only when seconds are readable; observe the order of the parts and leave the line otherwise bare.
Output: 7.05
